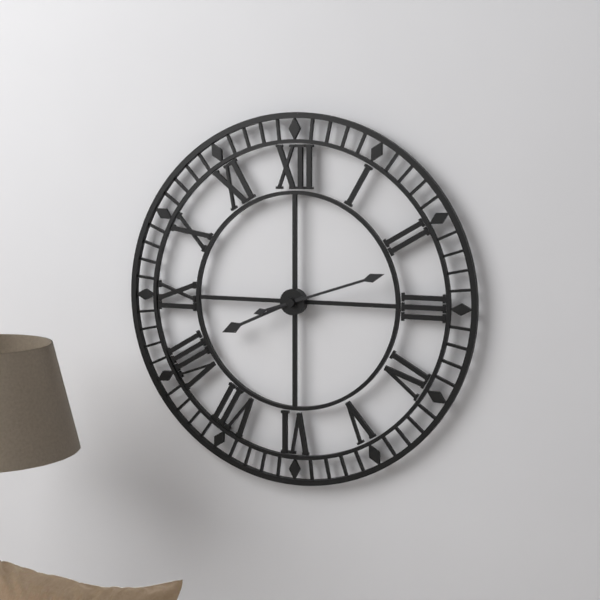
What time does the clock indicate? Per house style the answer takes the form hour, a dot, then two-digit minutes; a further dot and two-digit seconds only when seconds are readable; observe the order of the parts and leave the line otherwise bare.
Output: 8.12
